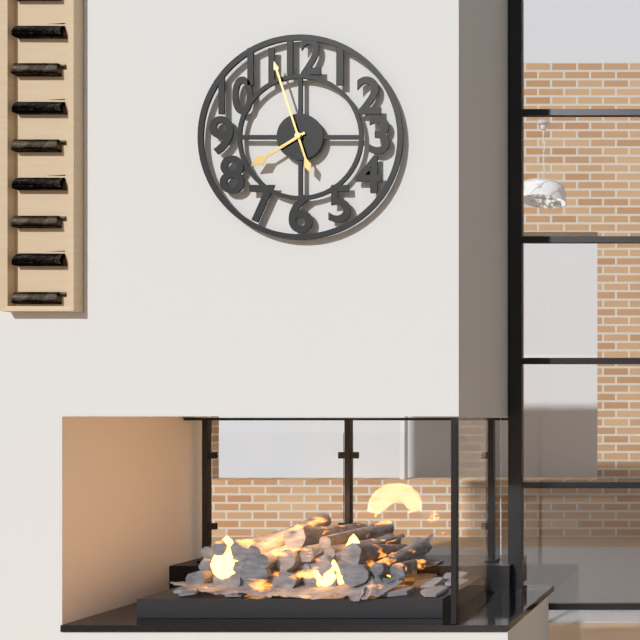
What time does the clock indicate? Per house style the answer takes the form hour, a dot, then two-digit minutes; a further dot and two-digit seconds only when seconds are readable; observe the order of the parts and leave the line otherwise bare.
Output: 7.57
